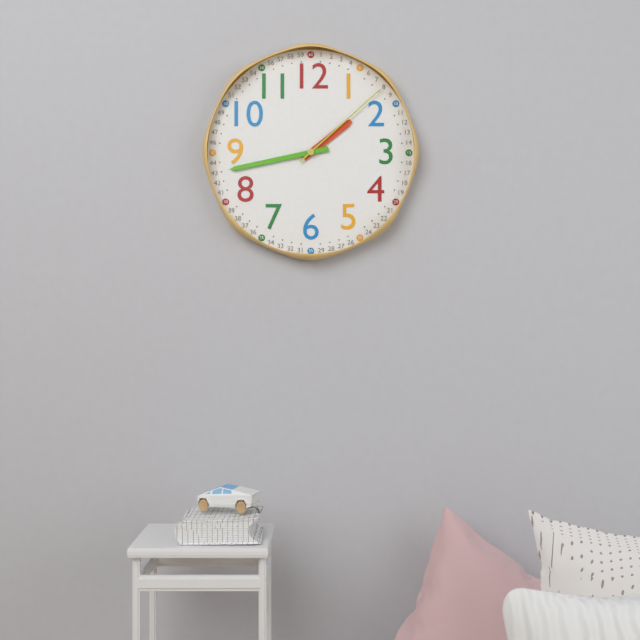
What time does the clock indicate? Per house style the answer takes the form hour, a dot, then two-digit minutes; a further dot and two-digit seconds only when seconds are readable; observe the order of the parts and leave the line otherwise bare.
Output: 1.43.08
